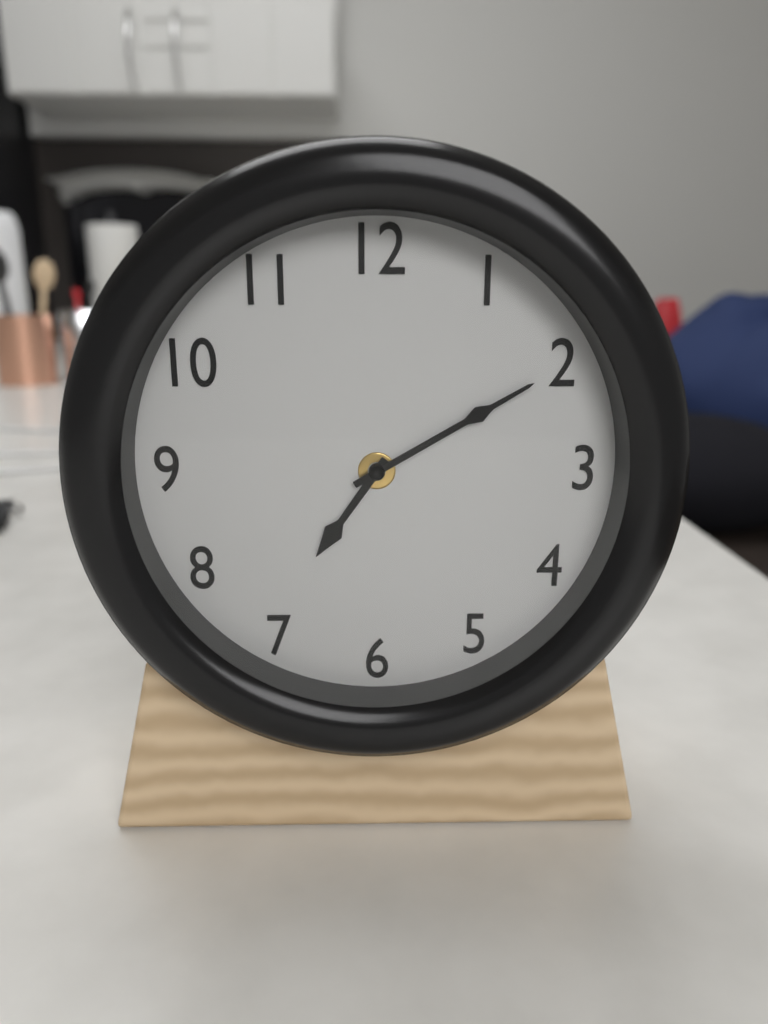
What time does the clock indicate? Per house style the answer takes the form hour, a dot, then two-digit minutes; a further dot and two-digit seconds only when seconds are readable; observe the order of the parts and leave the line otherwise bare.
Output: 7.10
